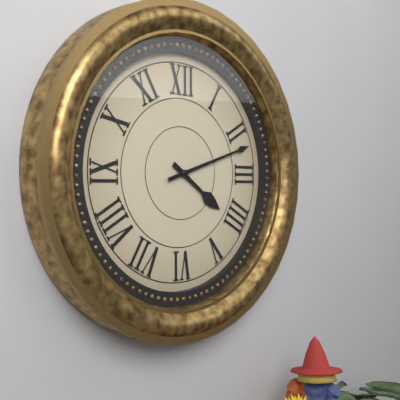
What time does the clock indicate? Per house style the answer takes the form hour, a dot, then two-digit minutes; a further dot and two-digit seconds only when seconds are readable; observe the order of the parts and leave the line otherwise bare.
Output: 4.12
